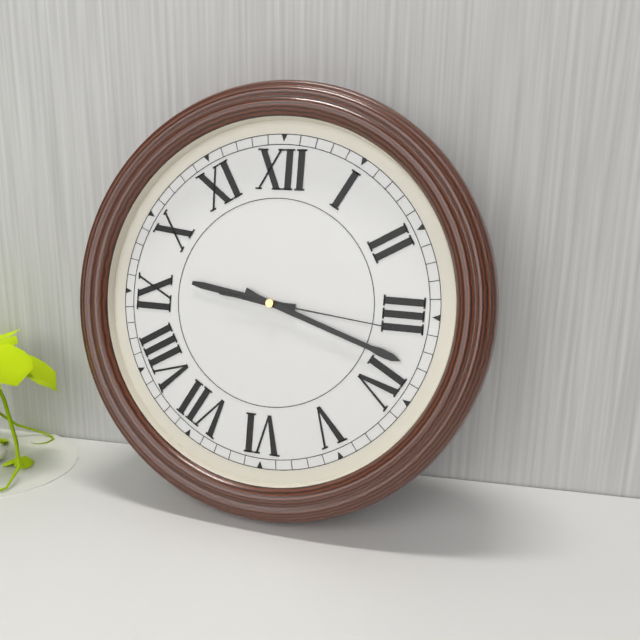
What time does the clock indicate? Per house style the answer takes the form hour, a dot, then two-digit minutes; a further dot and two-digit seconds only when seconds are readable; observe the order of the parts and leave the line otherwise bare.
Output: 9.18.16
